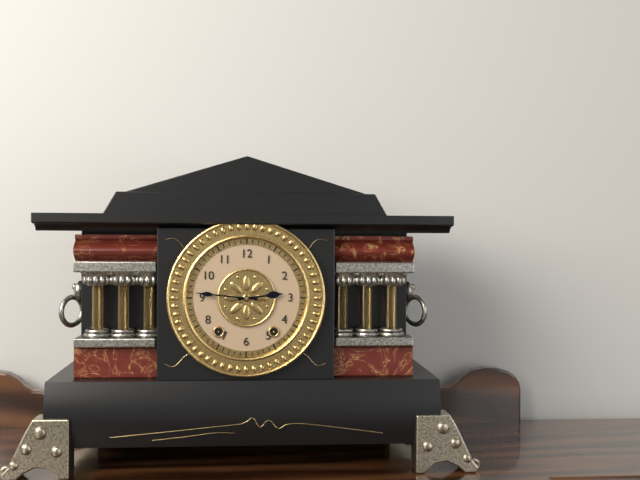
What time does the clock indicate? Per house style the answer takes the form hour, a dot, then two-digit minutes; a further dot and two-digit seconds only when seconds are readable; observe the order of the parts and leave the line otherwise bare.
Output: 2.46
